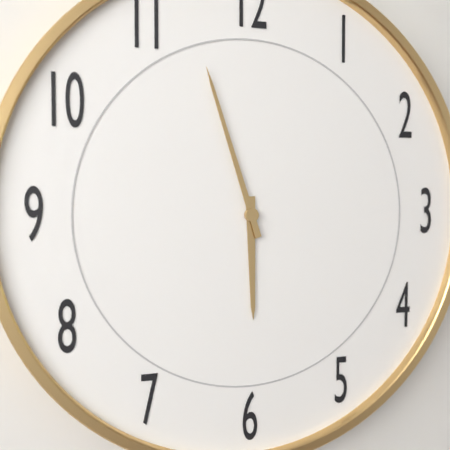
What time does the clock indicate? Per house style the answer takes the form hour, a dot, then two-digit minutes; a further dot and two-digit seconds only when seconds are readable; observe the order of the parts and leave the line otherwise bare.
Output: 5.57
